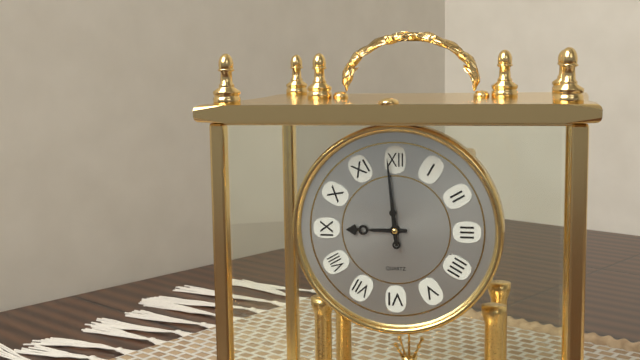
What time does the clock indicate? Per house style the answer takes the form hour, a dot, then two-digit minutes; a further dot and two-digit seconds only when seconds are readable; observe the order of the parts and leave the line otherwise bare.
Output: 8.59
